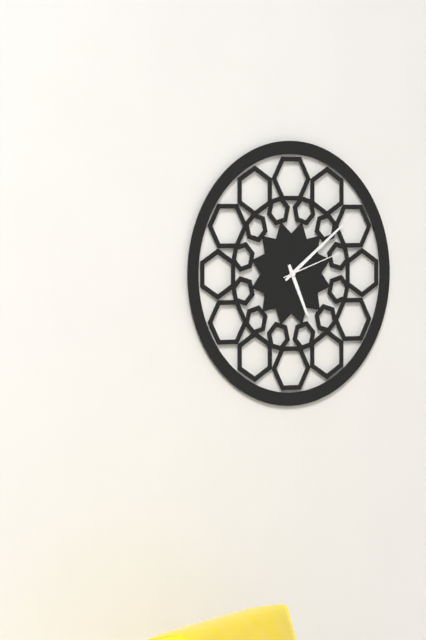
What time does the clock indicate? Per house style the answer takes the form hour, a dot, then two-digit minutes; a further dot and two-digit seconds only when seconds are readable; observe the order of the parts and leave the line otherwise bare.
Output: 5.09.12
